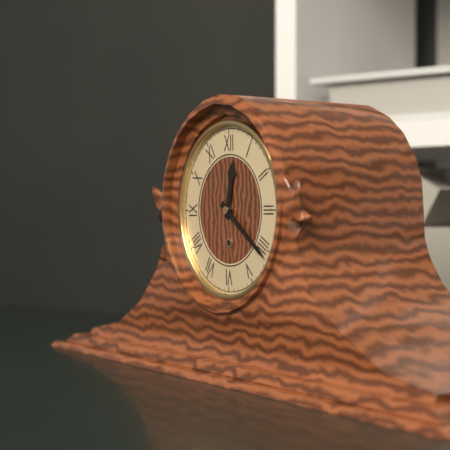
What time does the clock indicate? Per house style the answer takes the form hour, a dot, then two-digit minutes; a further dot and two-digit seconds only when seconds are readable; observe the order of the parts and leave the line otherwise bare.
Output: 12.21
